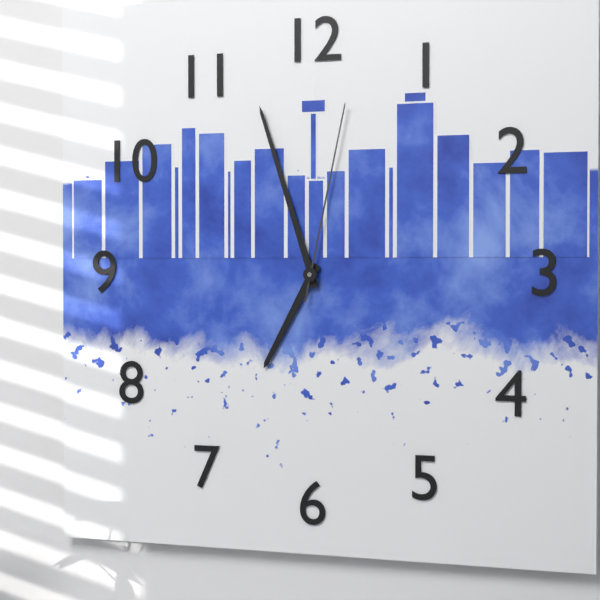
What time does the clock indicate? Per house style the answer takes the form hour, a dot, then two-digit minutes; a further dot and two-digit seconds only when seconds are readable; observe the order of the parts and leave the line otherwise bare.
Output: 6.57.02
